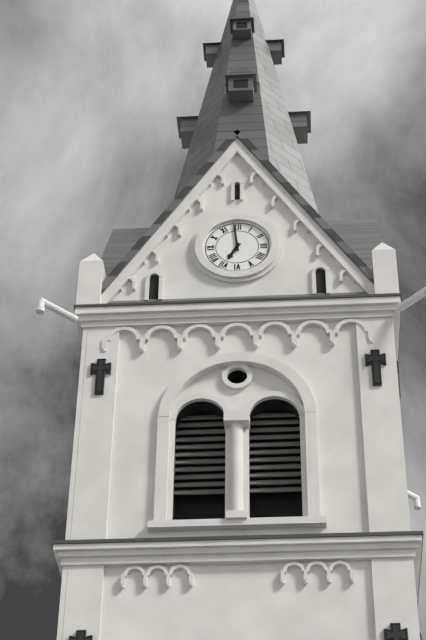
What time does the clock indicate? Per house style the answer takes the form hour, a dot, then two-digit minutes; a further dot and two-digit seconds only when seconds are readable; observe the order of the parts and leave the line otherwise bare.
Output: 6.59
